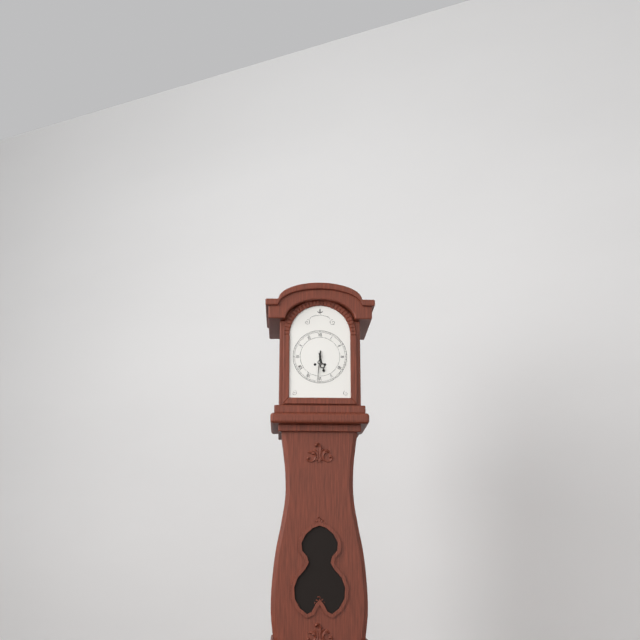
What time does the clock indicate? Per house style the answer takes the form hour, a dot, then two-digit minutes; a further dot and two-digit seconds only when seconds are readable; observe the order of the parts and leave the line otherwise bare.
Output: 5.31
